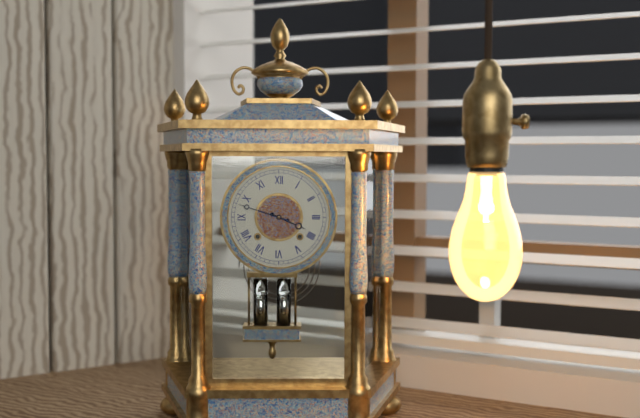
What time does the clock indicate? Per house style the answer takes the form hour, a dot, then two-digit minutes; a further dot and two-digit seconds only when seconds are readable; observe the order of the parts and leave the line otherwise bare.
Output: 3.48
